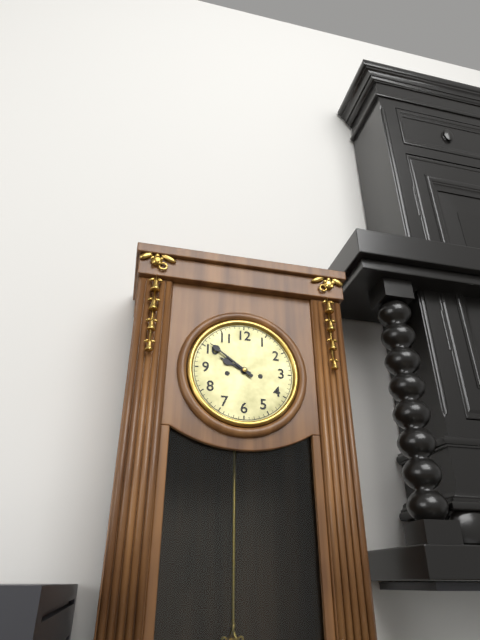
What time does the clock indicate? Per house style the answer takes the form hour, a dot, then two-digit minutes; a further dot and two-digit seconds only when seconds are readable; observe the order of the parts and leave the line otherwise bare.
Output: 9.51
